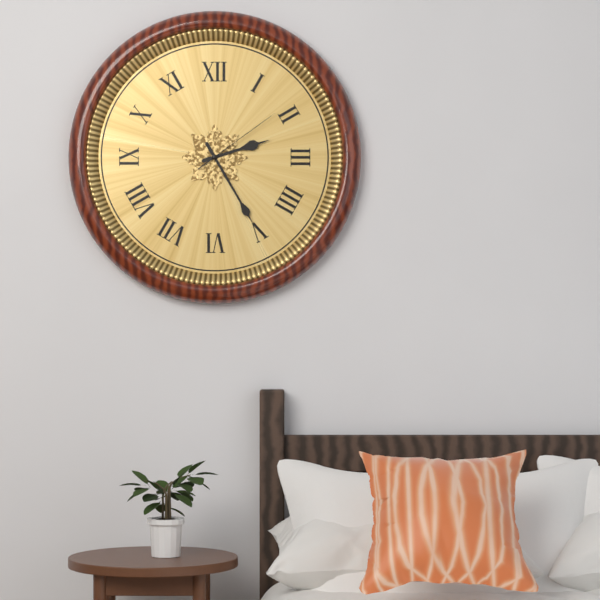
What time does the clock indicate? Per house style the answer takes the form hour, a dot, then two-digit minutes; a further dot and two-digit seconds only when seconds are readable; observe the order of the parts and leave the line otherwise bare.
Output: 2.25.09
